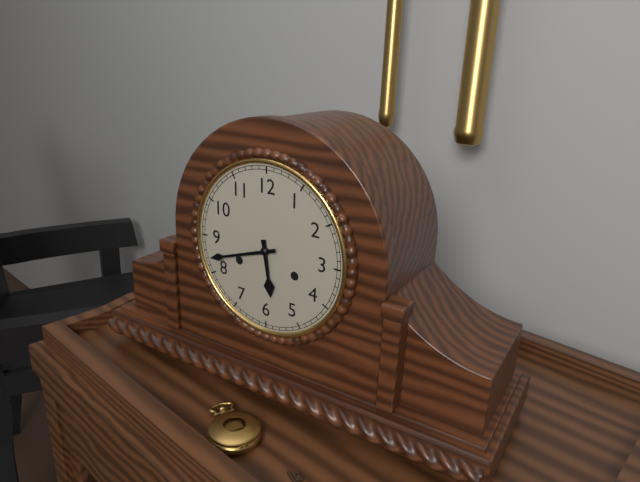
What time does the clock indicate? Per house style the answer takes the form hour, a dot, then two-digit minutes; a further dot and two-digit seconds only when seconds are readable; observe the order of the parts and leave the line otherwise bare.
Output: 5.42
